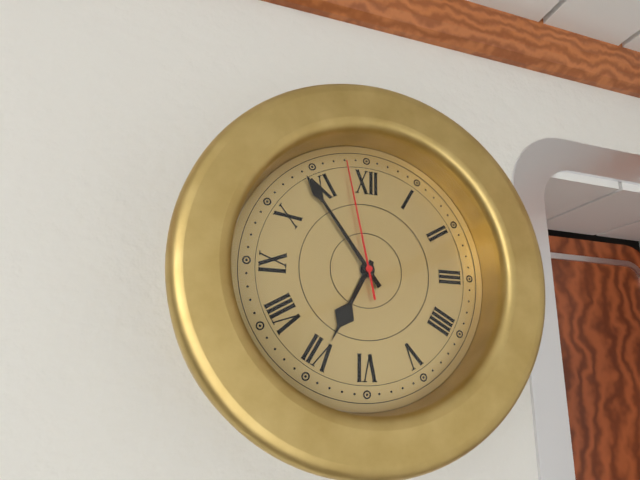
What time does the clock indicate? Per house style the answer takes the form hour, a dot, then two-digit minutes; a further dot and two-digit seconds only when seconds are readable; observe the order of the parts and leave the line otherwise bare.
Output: 6.54.58
